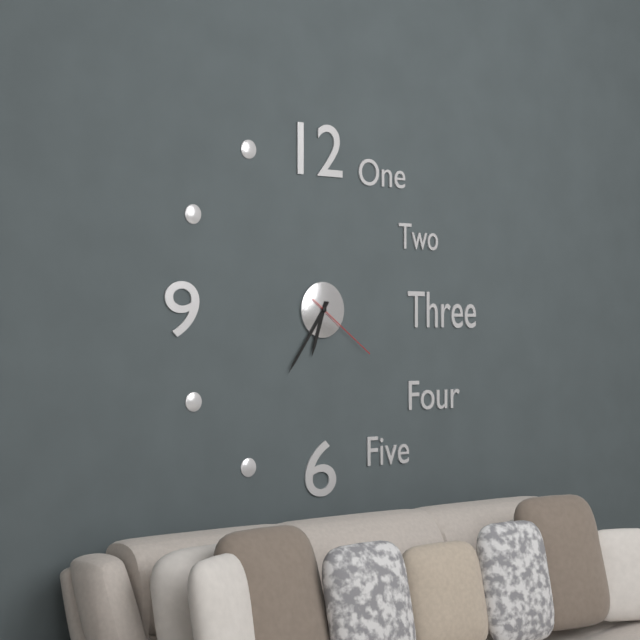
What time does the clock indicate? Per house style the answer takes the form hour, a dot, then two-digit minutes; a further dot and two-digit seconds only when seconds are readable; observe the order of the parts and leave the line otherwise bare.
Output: 6.36.21
